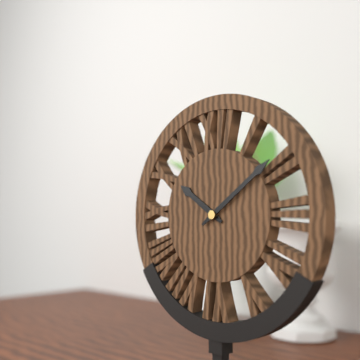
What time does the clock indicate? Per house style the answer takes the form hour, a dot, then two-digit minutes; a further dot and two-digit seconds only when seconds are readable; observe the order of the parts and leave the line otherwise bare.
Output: 10.09
